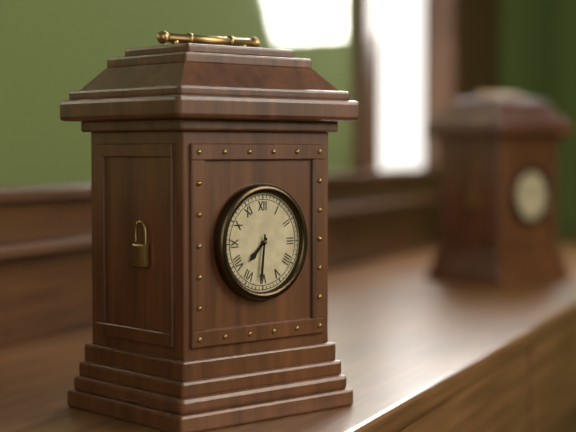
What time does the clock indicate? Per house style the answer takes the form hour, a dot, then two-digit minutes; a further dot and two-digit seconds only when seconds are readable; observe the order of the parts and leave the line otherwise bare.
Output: 7.31
